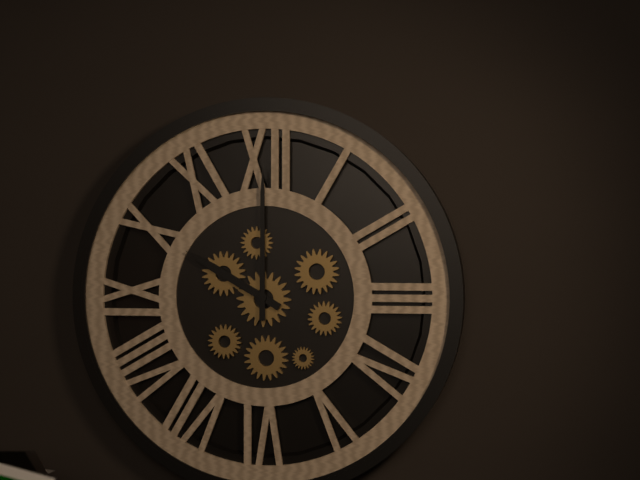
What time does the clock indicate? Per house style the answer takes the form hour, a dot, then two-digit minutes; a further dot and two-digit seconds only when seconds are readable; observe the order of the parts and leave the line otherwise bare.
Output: 10.00
